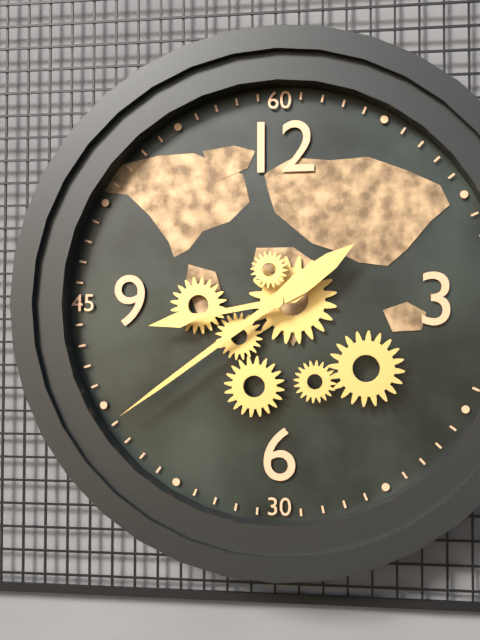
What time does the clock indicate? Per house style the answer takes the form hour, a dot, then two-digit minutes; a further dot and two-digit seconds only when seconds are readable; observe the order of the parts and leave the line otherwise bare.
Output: 8.39
